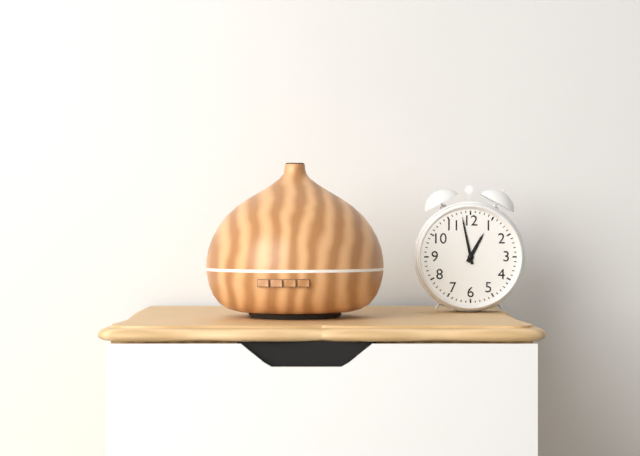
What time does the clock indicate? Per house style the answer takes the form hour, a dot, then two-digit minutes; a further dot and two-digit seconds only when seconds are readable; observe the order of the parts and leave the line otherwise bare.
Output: 12.58
